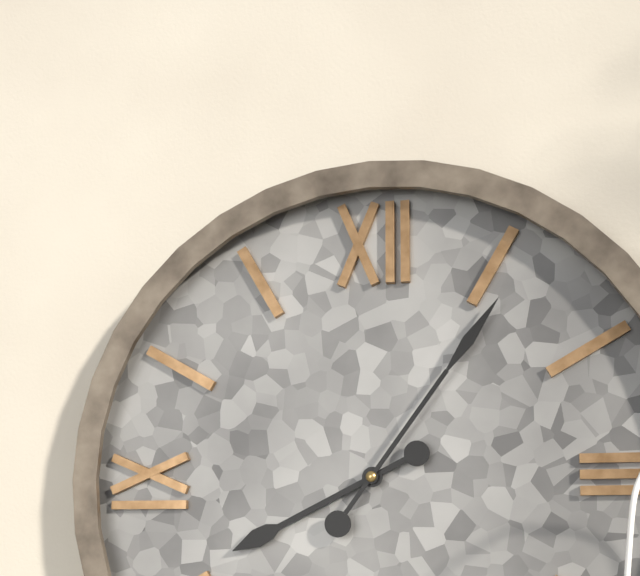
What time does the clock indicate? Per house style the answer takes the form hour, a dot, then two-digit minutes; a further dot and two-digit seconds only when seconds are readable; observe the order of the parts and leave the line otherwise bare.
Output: 8.06
